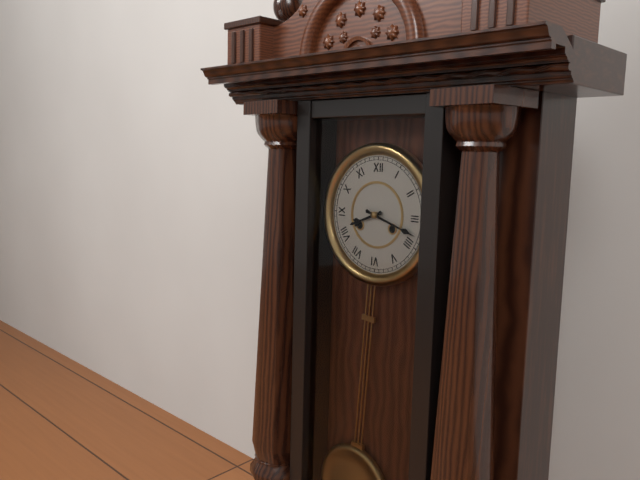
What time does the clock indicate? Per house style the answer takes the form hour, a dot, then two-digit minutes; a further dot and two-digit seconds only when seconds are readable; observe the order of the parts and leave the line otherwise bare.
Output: 8.18
